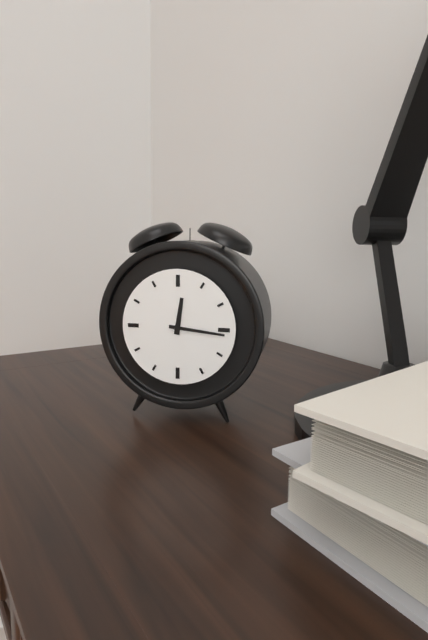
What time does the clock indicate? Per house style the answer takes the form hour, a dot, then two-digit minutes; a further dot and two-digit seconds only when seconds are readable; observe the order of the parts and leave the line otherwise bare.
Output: 12.16
